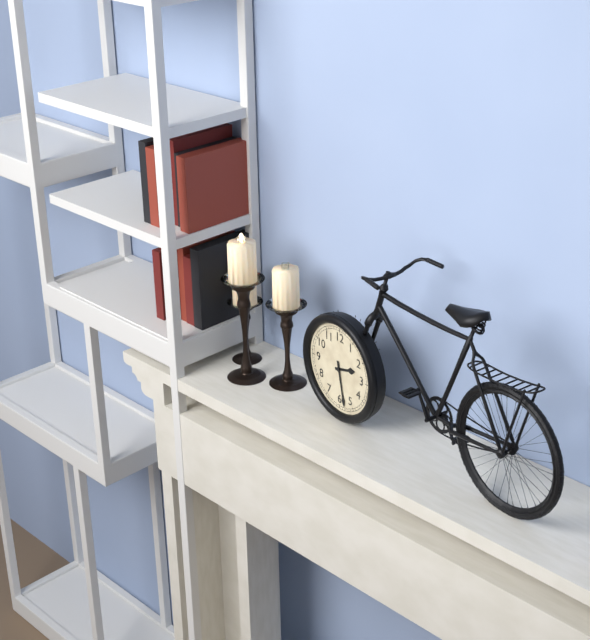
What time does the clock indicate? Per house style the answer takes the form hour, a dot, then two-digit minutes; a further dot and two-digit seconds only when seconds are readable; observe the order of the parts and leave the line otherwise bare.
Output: 2.28
